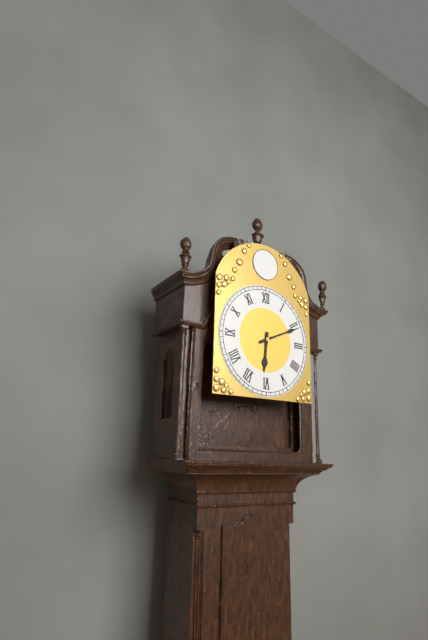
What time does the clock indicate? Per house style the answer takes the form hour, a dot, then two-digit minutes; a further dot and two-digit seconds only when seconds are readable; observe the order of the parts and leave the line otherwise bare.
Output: 6.11
